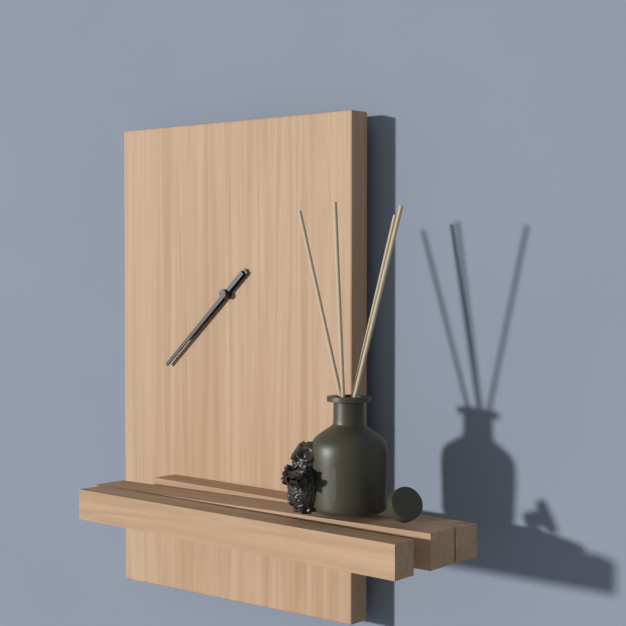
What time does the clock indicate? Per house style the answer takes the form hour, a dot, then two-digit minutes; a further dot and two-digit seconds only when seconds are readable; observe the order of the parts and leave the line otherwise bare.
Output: 7.38
